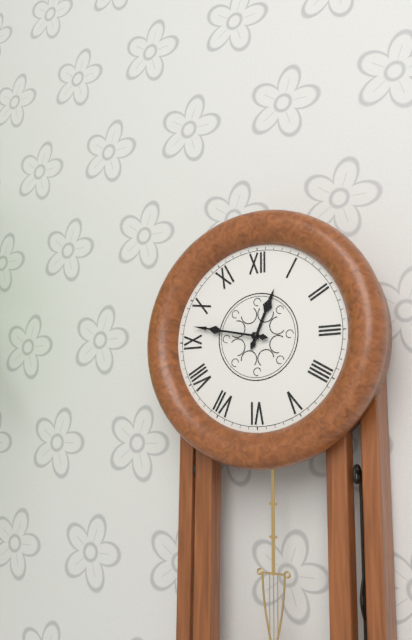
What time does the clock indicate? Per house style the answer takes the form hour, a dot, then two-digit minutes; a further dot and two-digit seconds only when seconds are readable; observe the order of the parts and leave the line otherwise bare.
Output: 12.47
